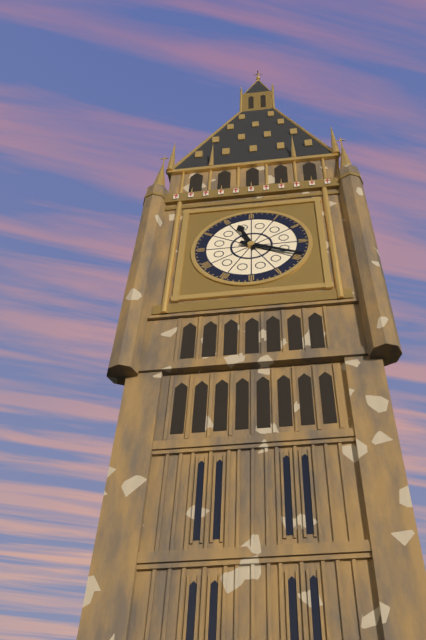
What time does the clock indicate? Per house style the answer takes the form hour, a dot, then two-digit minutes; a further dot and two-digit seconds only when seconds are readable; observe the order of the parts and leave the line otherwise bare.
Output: 11.19
